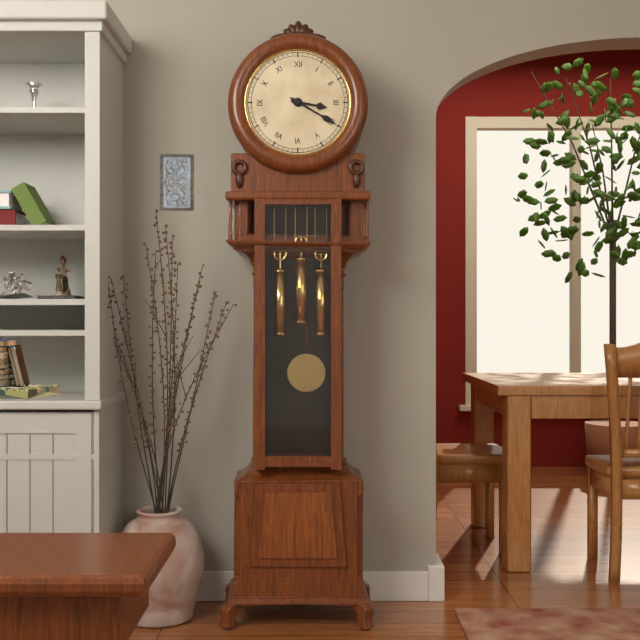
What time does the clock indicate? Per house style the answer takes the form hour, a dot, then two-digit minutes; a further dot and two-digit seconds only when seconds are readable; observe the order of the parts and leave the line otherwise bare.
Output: 3.20
